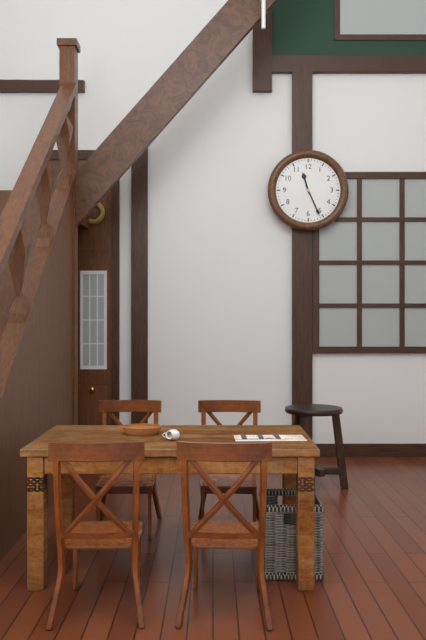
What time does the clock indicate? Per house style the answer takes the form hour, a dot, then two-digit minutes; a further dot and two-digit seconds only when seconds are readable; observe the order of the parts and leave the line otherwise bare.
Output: 11.26
